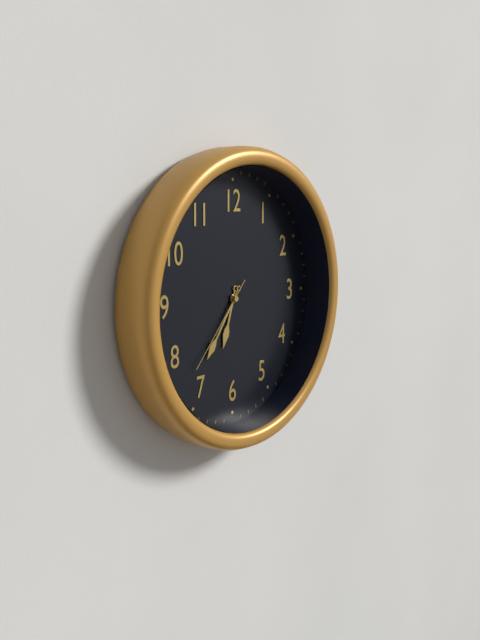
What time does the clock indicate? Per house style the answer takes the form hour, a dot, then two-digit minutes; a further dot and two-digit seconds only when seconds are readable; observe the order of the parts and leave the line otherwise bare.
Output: 6.36.37
